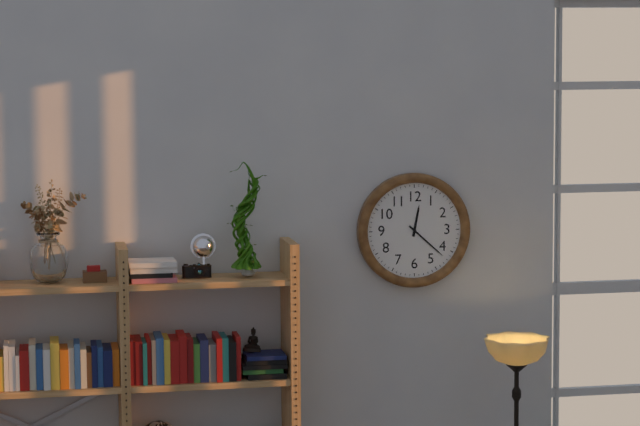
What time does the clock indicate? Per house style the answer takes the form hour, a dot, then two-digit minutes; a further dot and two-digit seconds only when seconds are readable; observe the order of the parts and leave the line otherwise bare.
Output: 12.22
